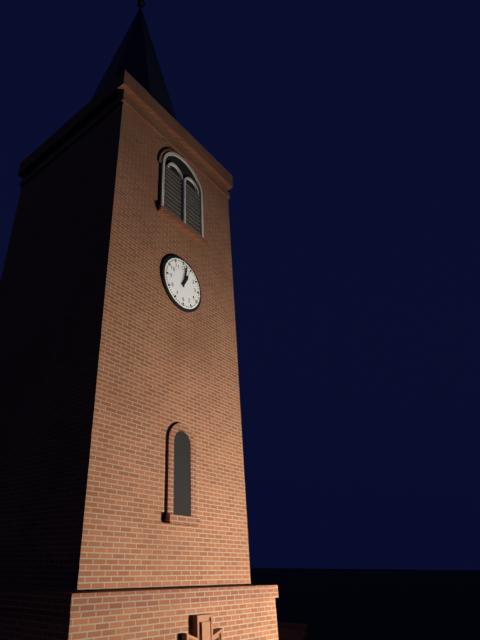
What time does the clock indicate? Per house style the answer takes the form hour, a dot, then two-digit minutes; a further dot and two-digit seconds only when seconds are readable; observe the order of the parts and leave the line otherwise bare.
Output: 1.02
